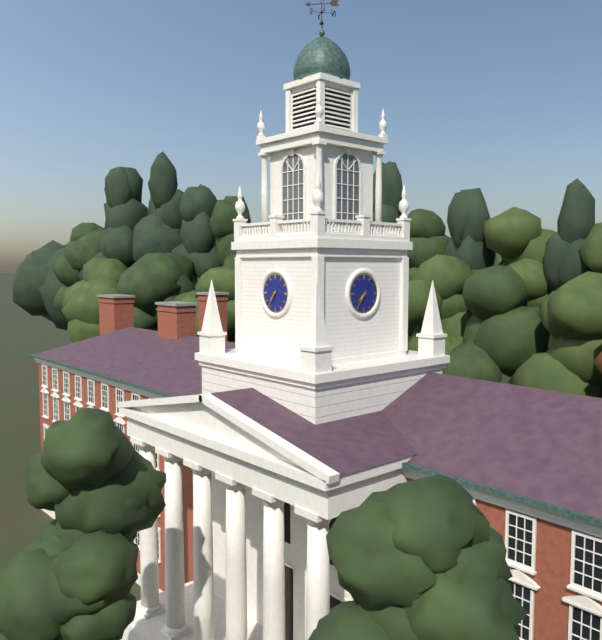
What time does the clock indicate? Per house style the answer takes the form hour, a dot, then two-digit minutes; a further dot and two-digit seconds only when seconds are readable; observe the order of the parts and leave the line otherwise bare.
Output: 7.36
